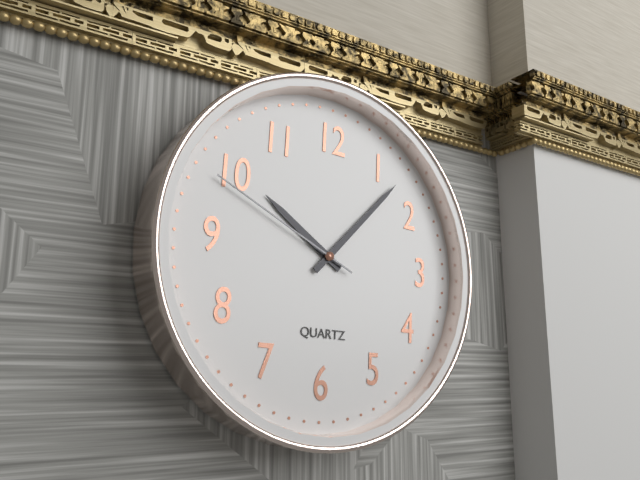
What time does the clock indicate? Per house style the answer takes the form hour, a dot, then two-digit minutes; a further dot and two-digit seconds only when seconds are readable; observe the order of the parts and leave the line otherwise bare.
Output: 10.07.49
